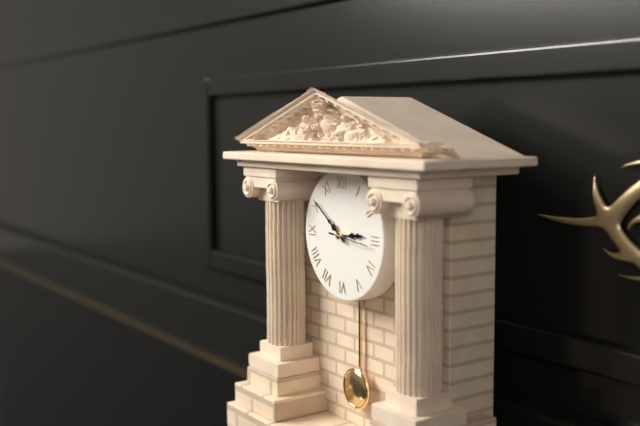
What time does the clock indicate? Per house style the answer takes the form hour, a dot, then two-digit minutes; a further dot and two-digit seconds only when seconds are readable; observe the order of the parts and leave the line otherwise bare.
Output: 2.51
